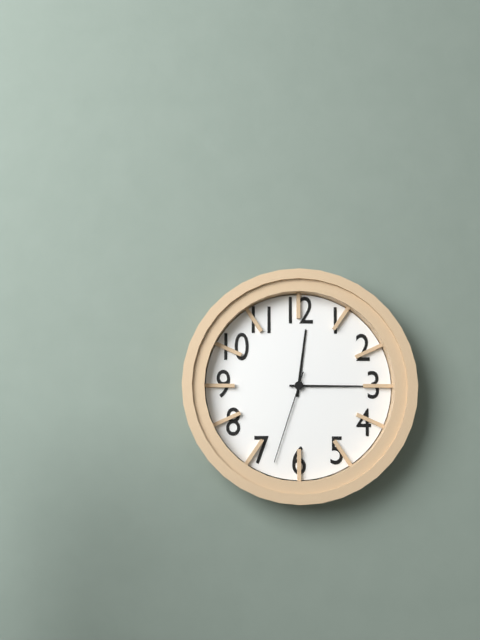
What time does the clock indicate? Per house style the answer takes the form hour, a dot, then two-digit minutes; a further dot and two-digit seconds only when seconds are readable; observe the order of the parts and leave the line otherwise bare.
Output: 12.15.33
